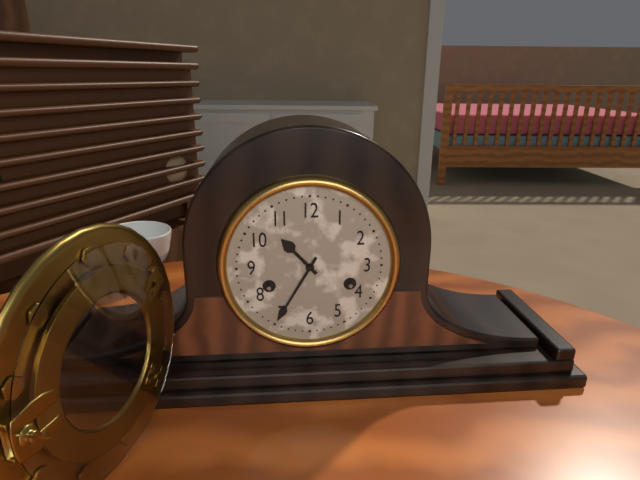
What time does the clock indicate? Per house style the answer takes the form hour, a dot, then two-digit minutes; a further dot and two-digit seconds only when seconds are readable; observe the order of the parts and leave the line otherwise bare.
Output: 10.35
